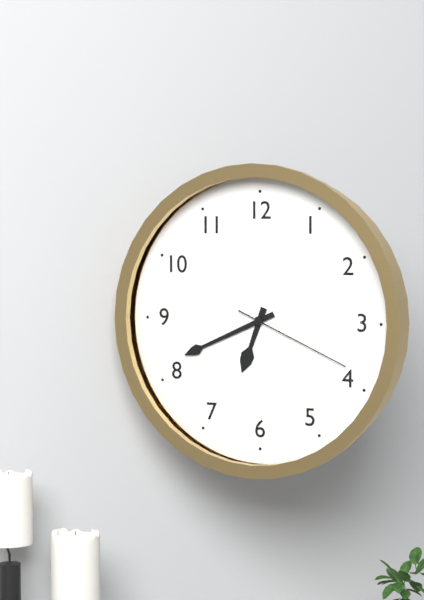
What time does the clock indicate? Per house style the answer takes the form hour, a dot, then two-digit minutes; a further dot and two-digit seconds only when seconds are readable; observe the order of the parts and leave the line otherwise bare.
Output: 6.41.19
